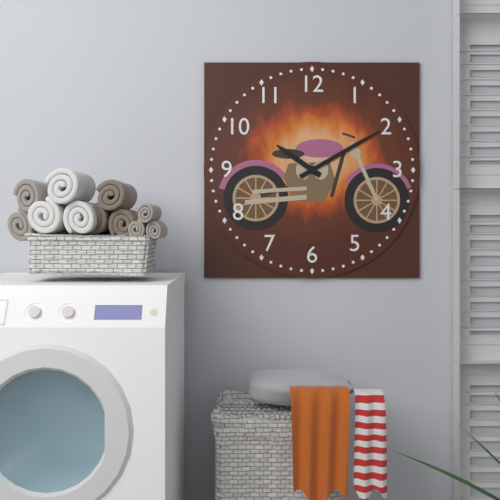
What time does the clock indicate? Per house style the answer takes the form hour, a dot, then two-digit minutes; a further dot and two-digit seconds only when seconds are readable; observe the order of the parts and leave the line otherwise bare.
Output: 10.10
